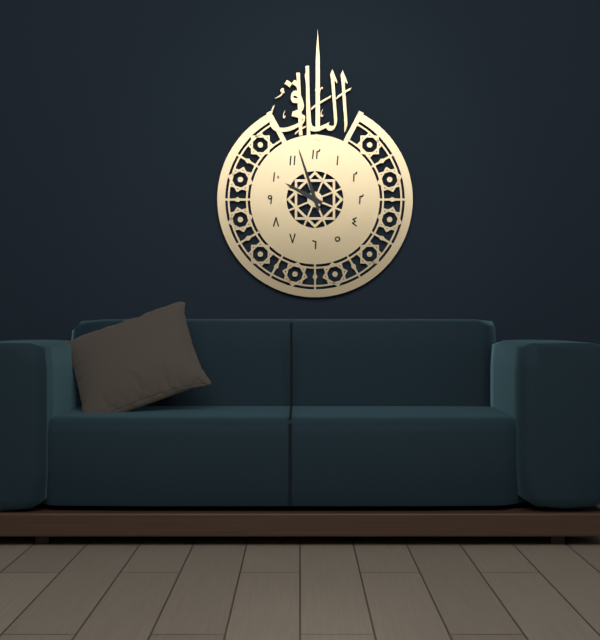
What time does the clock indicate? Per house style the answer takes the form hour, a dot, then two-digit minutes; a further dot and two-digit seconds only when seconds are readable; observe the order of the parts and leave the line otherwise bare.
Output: 9.57
